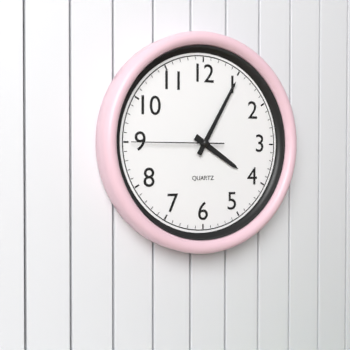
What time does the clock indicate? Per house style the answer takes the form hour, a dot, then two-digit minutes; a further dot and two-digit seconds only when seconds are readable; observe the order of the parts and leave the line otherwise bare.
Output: 4.05.45
